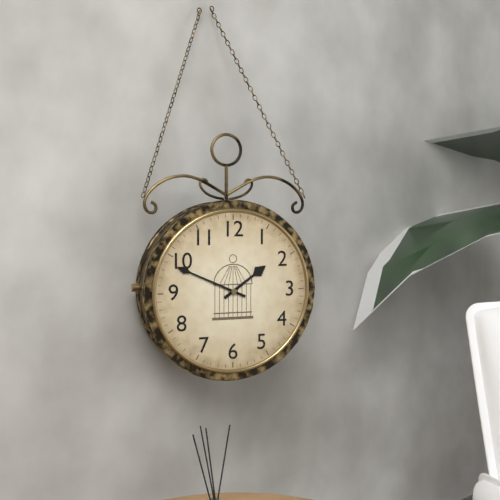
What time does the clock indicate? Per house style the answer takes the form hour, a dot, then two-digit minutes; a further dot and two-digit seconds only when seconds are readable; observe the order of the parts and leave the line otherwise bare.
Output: 1.49
